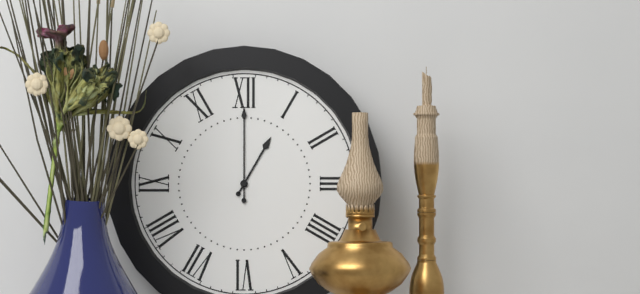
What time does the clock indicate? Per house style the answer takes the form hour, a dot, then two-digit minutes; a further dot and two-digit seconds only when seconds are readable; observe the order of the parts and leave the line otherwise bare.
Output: 1.00
